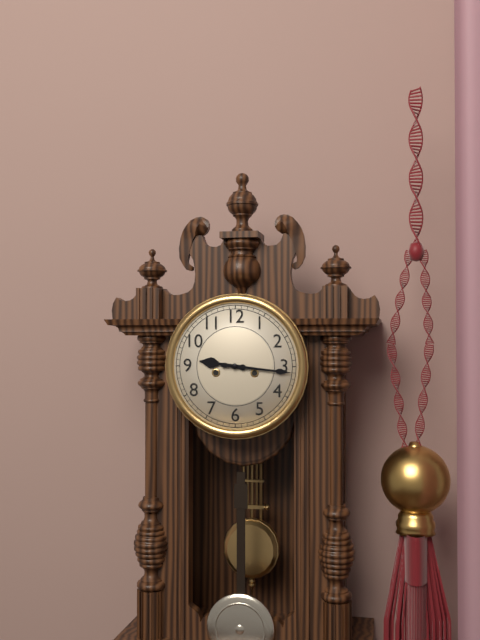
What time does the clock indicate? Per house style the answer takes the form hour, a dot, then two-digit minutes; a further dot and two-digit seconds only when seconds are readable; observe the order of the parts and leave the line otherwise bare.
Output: 9.16
